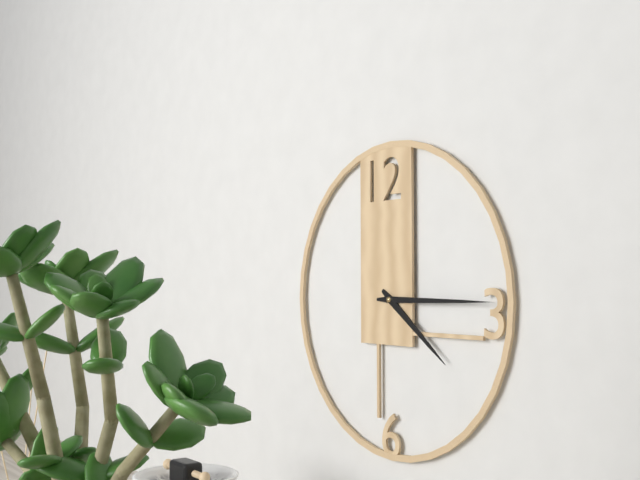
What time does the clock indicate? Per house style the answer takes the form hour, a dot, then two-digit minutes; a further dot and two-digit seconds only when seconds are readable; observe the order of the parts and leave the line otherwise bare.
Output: 4.15
